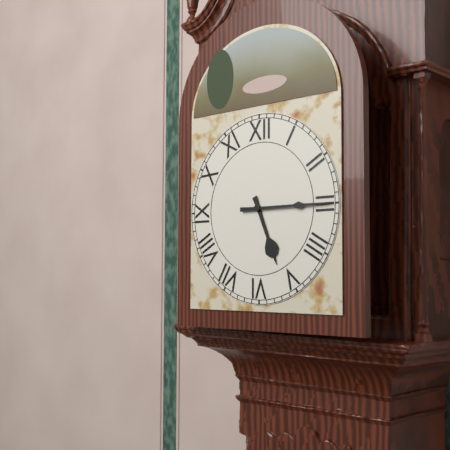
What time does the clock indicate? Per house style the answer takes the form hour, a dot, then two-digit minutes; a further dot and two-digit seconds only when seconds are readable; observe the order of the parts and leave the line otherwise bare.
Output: 5.15
